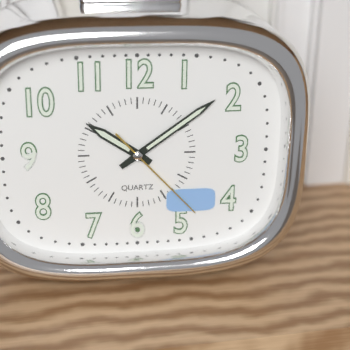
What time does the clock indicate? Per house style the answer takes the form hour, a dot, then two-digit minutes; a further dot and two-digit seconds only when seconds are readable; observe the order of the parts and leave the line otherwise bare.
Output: 10.09.23
